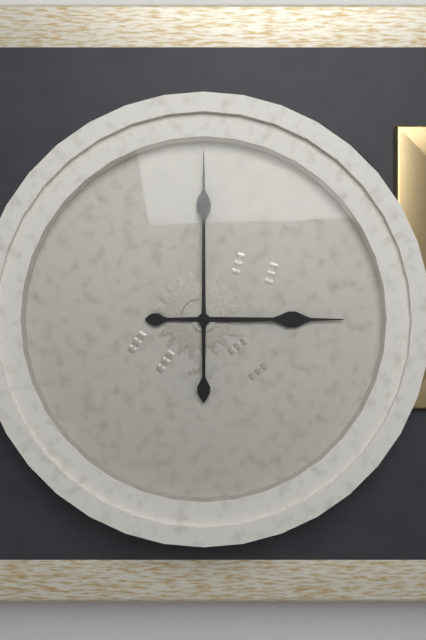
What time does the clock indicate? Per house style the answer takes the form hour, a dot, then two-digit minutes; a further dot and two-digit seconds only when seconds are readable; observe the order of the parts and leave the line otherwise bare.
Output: 3.00
